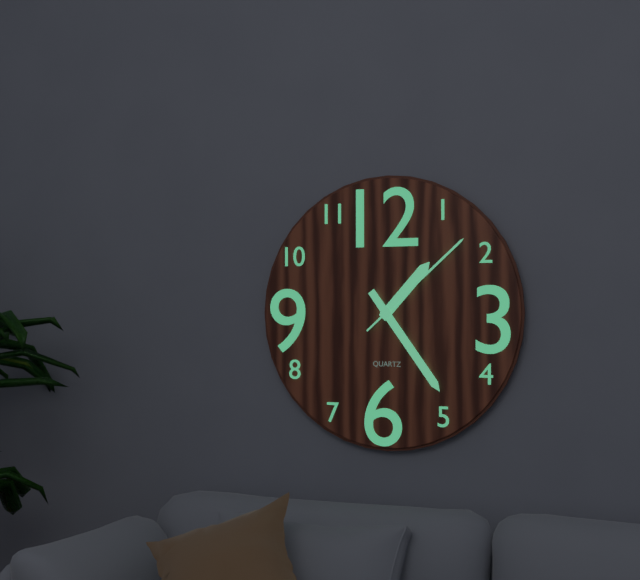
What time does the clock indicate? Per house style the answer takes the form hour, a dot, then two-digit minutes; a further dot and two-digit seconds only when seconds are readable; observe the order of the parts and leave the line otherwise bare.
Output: 1.24.08
